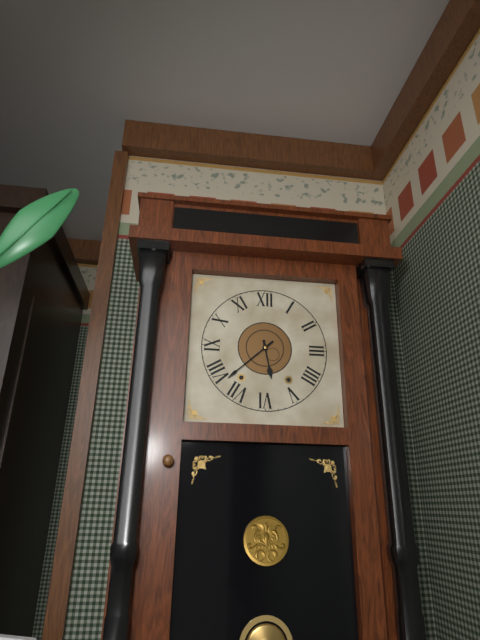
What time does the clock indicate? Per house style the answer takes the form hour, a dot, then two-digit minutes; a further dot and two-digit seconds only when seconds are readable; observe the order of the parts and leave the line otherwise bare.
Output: 5.38
